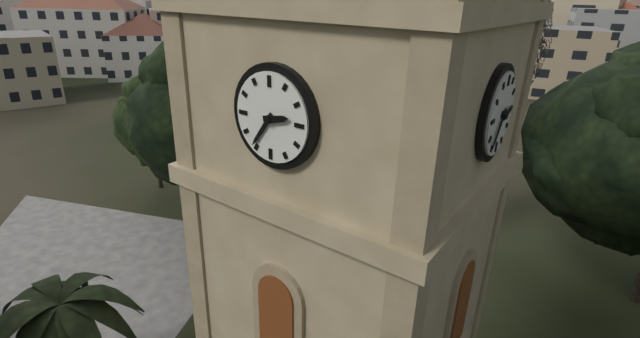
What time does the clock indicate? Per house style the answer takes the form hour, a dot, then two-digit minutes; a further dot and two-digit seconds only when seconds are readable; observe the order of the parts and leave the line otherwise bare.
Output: 2.36
